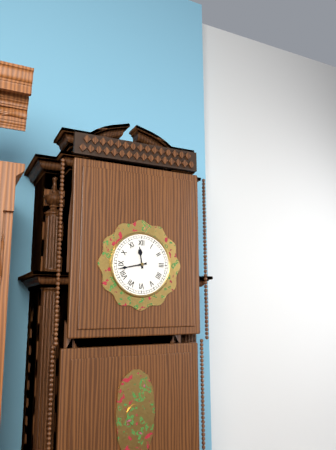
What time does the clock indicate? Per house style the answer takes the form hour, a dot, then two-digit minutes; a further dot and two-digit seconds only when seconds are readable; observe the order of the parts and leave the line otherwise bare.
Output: 11.43
